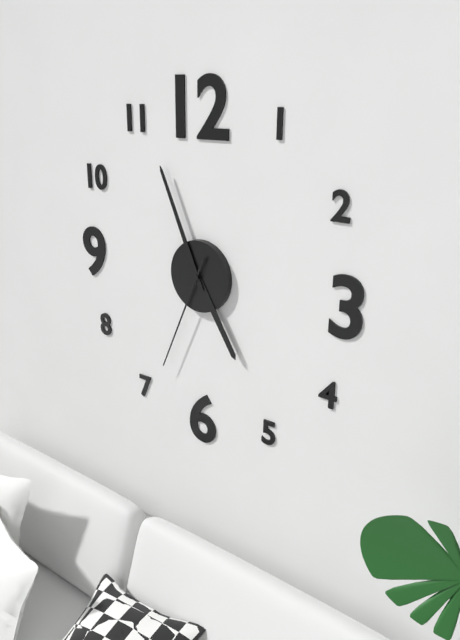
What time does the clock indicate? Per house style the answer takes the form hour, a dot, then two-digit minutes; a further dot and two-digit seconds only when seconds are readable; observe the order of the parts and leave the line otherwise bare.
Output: 4.56.34
